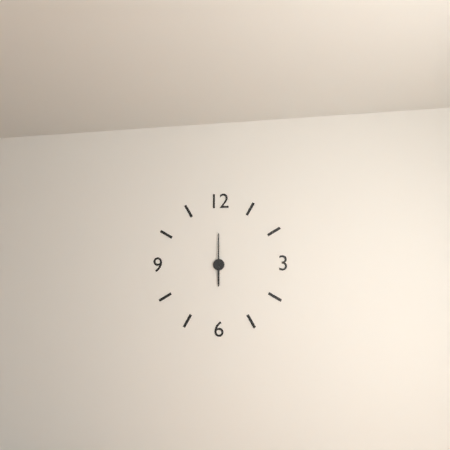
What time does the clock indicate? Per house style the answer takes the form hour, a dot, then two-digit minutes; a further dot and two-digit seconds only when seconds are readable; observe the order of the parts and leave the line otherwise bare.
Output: 6.00
